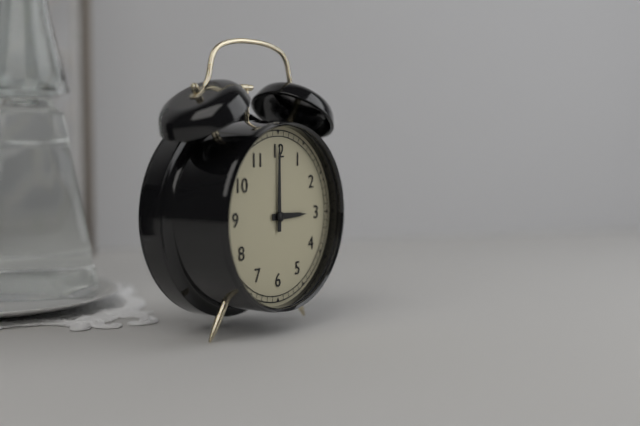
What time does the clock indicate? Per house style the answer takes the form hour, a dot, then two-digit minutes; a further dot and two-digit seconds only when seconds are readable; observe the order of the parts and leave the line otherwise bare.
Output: 3.00
